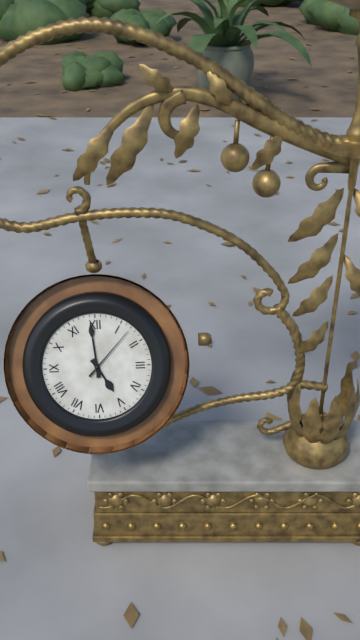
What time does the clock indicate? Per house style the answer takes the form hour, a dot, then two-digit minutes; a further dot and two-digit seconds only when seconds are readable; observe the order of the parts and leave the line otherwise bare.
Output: 4.59.07
